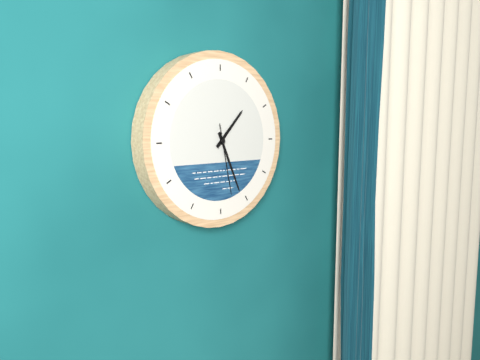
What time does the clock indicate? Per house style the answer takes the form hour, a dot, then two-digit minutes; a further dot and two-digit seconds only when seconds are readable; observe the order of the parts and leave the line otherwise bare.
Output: 1.26.28
